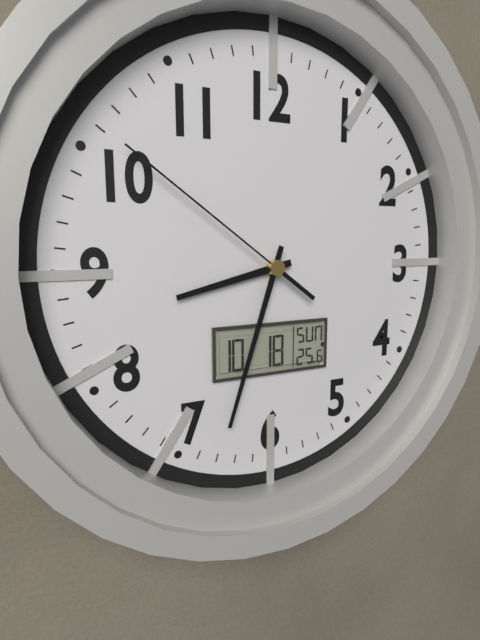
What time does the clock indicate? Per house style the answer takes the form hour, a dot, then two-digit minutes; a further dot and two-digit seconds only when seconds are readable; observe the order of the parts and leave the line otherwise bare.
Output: 8.33.51
